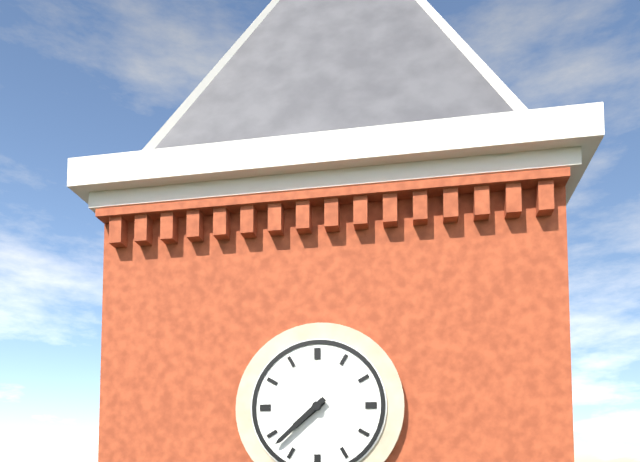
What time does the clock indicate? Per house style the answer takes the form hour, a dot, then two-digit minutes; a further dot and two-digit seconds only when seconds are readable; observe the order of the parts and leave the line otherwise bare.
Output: 7.38
